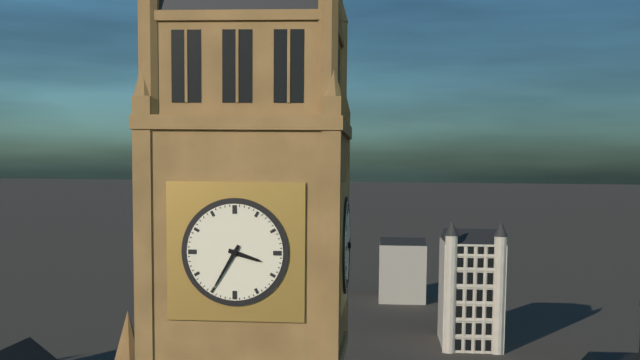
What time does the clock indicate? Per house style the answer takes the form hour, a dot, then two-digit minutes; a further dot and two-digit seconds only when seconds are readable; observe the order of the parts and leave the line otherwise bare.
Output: 3.35
